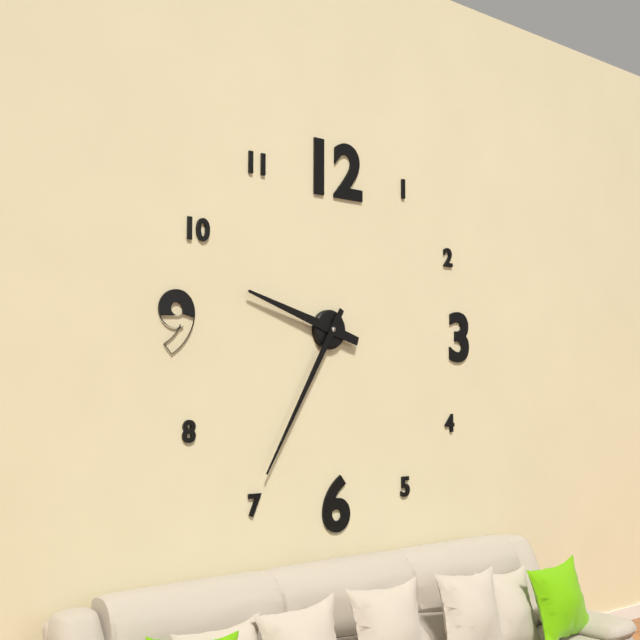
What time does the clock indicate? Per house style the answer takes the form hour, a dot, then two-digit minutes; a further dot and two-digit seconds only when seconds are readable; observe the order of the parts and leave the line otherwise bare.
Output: 9.35
